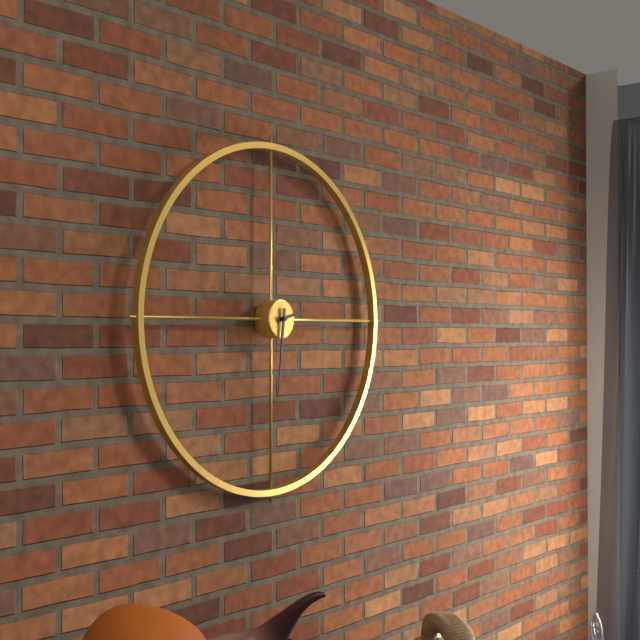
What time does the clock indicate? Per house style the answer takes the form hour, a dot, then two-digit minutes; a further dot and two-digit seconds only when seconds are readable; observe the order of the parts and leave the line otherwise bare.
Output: 2.31
